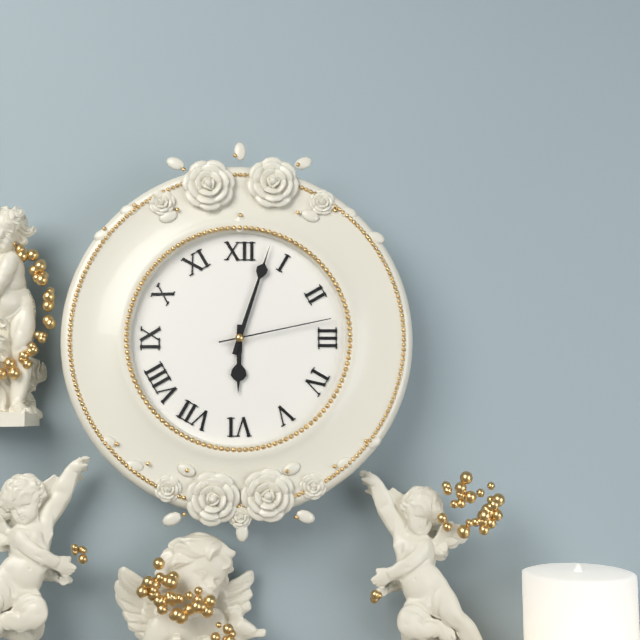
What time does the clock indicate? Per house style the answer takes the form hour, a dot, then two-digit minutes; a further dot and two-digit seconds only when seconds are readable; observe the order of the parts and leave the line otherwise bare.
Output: 6.03.13
